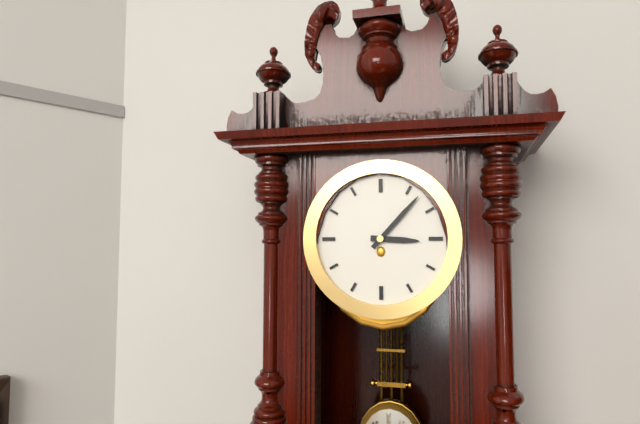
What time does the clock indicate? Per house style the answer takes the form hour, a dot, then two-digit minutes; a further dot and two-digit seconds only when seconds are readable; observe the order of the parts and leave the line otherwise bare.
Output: 3.07
